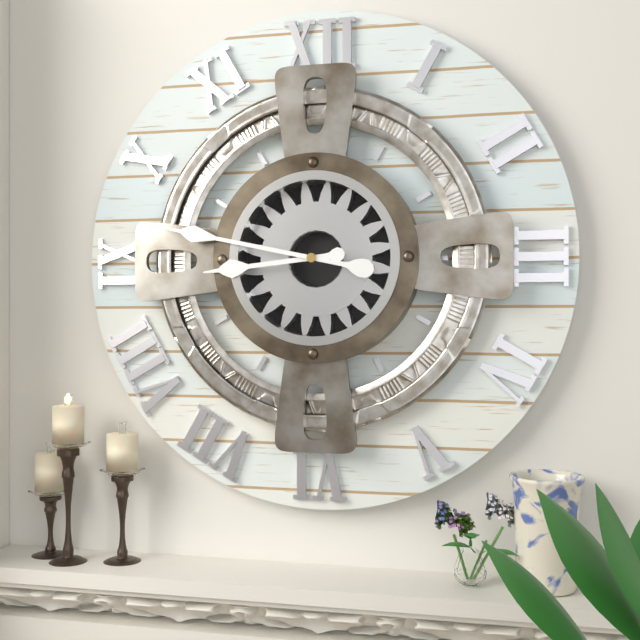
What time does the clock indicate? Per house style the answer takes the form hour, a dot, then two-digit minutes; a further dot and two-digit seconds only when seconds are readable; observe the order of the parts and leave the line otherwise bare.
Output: 8.47
